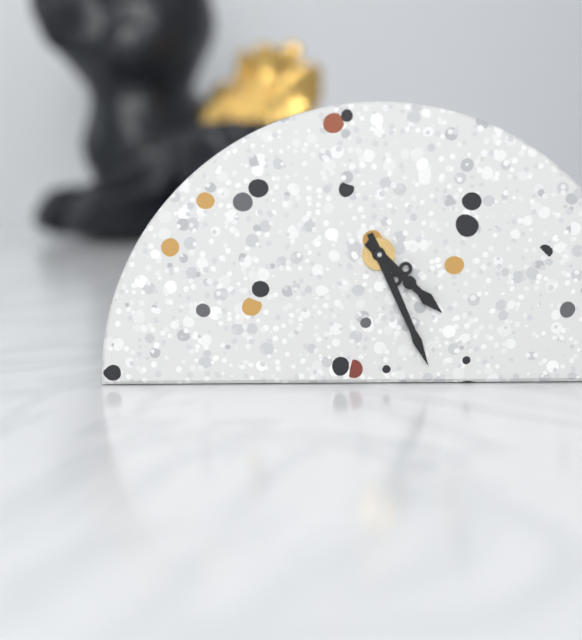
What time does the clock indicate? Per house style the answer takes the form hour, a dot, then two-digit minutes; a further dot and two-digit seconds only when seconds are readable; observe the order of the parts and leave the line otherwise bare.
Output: 4.26
